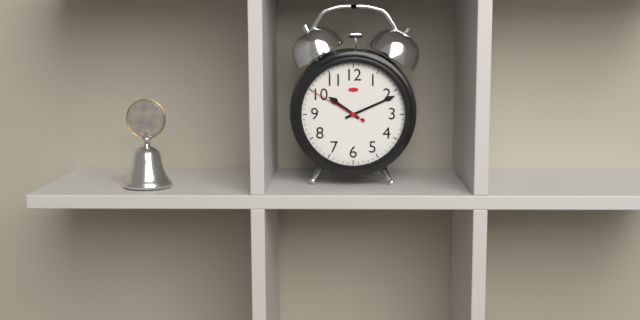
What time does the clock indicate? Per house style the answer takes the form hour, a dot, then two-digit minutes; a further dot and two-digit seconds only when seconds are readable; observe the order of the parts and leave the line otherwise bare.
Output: 10.11.50
